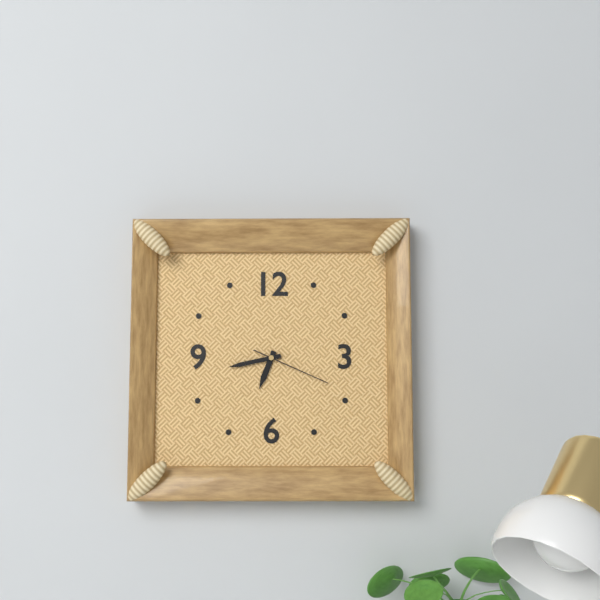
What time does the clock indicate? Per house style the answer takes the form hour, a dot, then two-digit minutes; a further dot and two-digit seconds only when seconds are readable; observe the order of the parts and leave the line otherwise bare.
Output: 6.43.19
